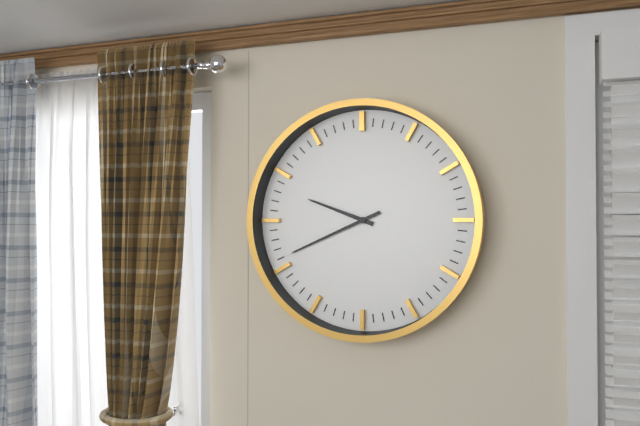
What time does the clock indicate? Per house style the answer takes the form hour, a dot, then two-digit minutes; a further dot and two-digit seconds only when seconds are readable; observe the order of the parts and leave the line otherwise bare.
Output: 9.41
